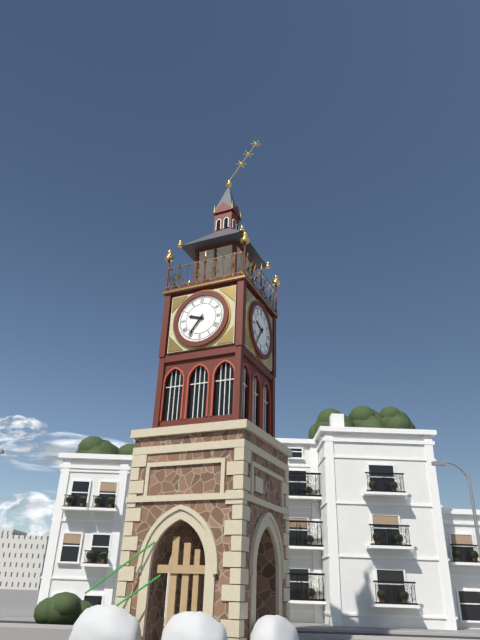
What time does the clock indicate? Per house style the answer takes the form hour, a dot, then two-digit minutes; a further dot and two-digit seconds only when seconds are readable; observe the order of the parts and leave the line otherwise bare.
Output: 9.36
